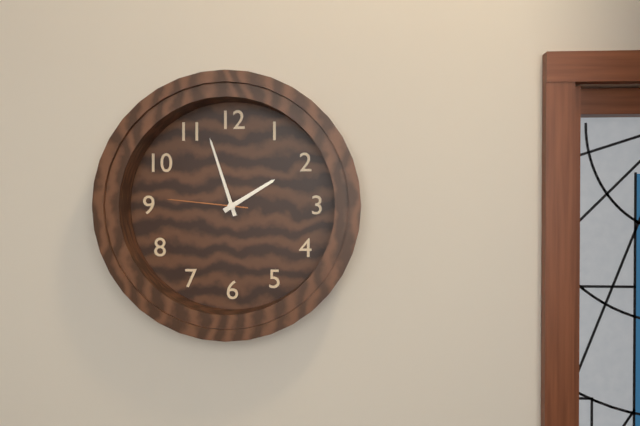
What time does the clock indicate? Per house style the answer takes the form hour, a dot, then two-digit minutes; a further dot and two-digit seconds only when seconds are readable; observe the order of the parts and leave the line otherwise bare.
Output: 1.57.46
